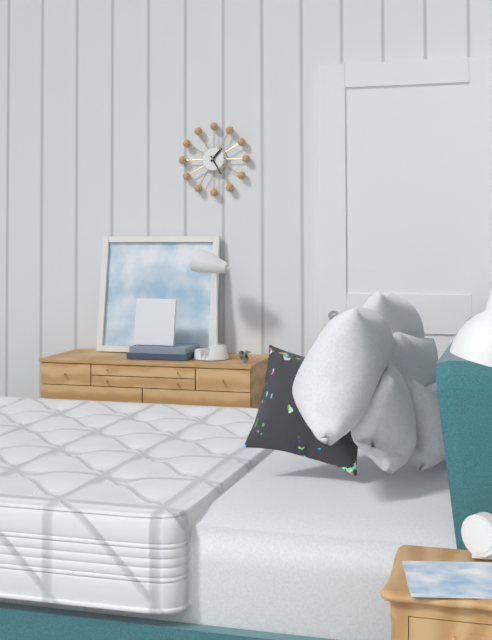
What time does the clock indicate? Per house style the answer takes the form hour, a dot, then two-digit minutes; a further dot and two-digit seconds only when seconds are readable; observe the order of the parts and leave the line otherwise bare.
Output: 1.25
